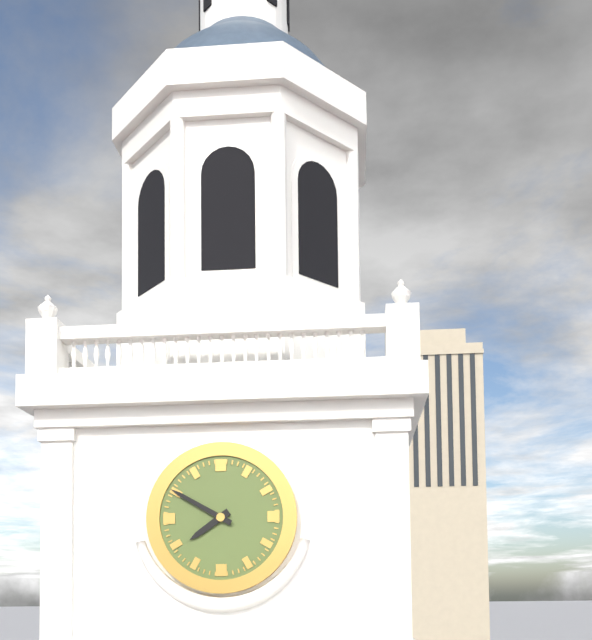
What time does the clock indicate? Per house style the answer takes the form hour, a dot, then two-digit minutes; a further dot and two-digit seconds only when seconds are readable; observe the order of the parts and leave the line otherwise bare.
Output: 7.50
